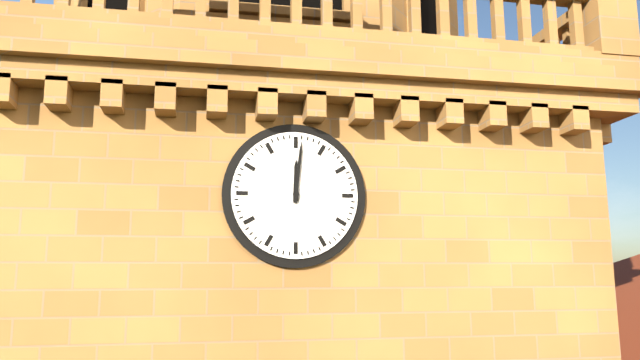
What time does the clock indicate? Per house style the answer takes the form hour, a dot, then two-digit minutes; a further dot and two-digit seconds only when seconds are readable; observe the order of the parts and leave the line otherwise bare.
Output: 12.01
